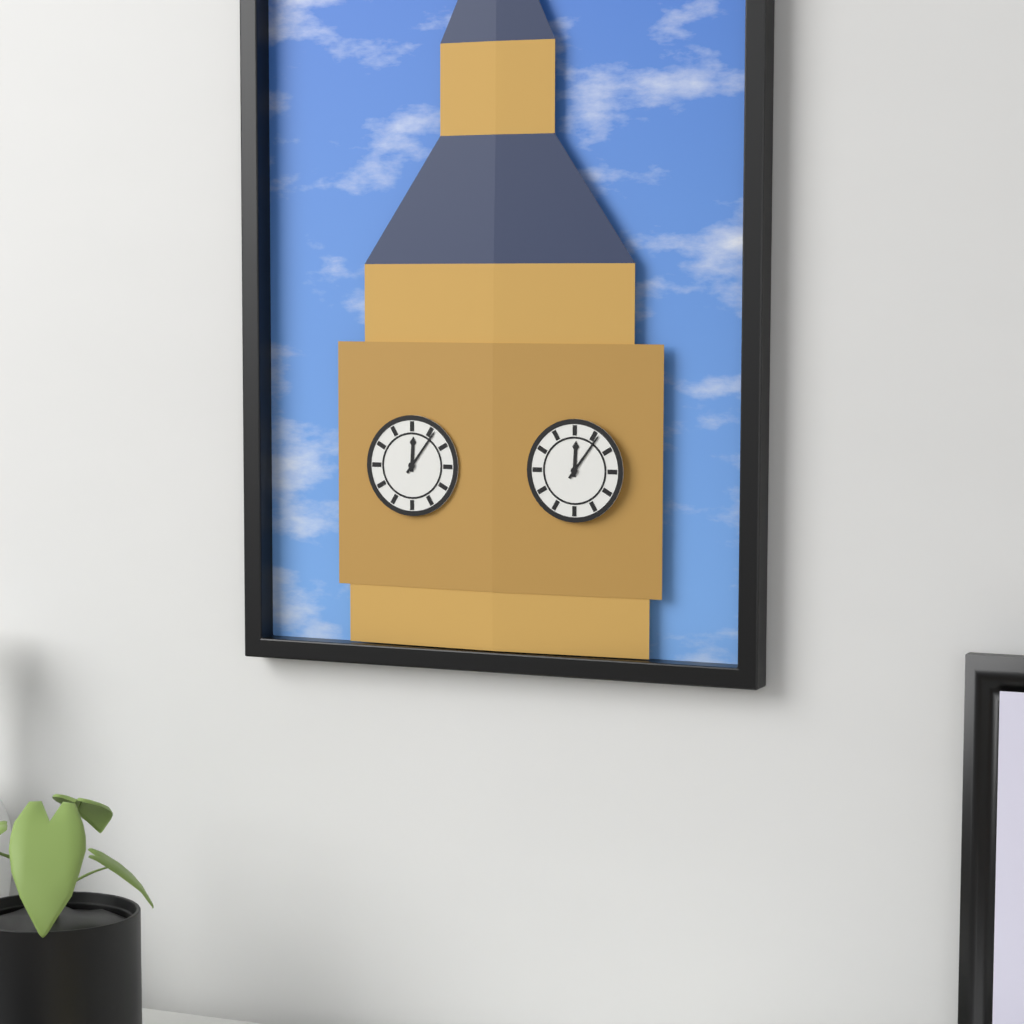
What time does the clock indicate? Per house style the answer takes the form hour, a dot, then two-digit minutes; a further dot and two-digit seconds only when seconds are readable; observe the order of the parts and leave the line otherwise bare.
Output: 12.06
